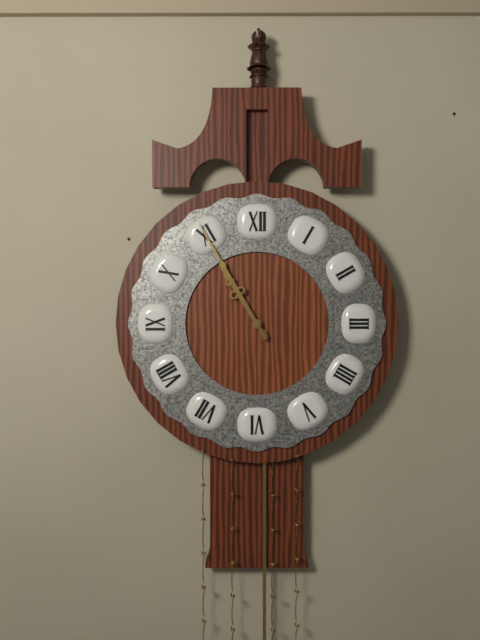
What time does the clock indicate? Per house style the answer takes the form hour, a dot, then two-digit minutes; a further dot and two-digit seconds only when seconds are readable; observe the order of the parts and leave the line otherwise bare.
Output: 10.55
